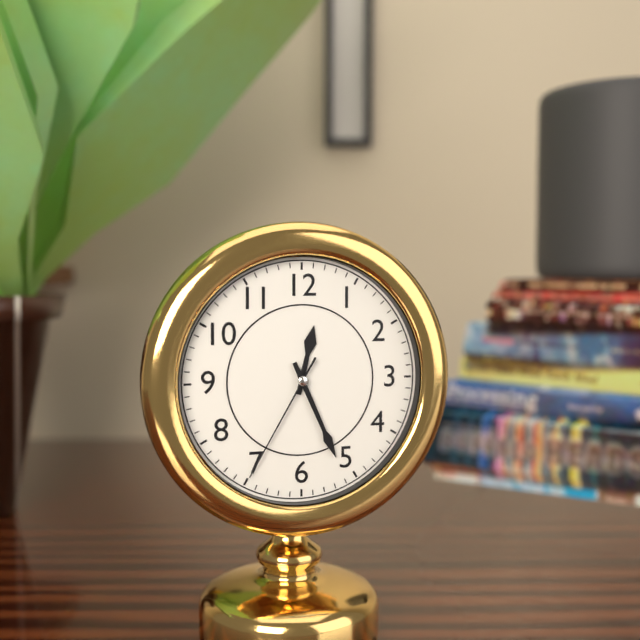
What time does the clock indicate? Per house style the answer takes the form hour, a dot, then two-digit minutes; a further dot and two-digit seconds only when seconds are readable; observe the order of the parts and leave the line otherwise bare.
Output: 12.26.35
